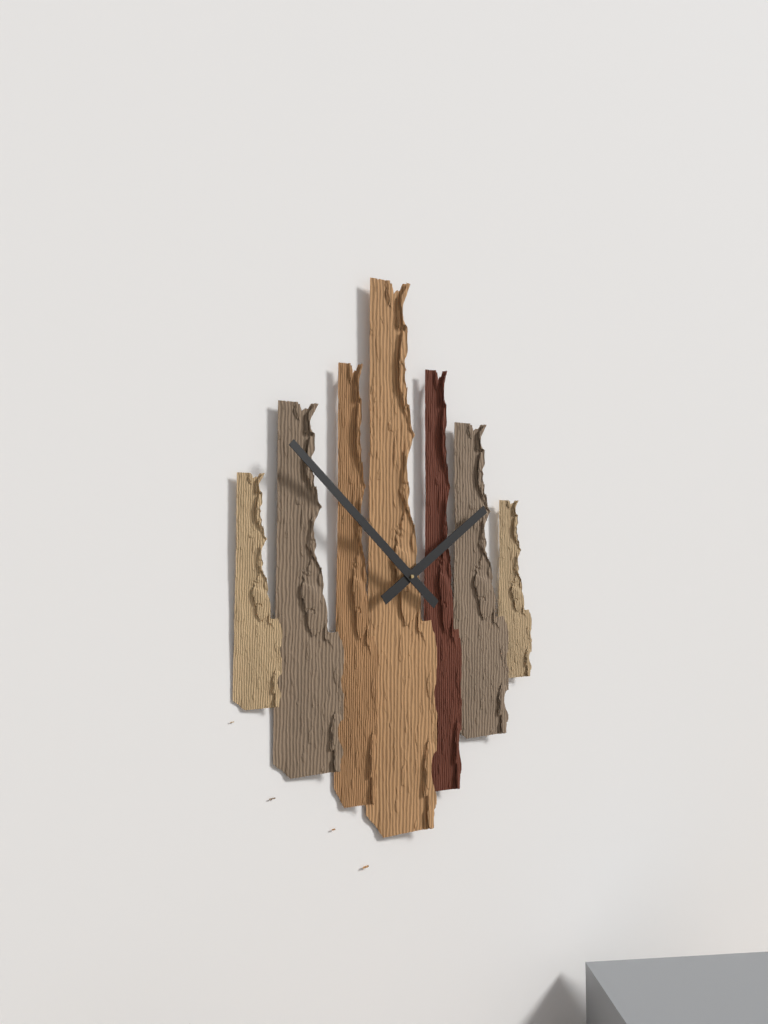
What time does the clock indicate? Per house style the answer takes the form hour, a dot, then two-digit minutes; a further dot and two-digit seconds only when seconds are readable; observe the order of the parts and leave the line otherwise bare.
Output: 1.52
